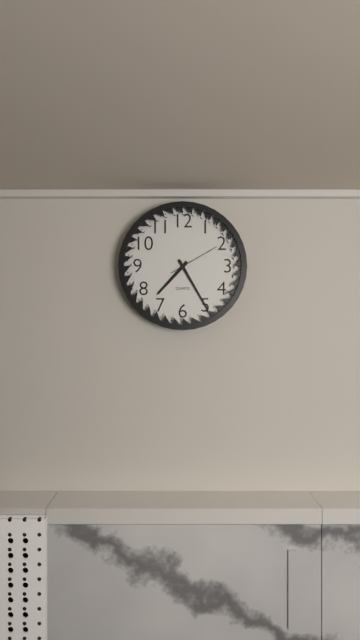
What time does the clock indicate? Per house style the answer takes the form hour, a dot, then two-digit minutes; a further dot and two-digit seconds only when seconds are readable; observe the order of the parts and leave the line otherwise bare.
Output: 7.25
